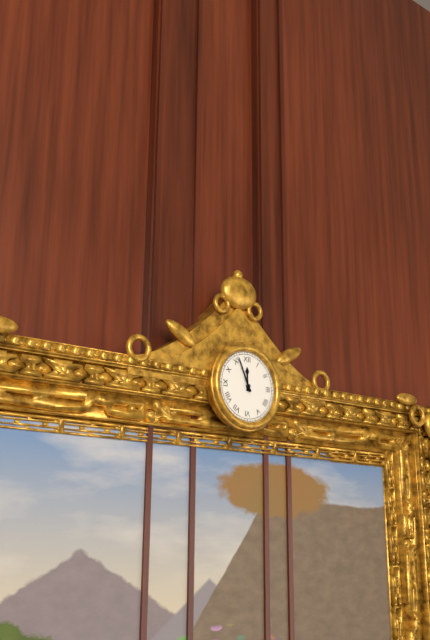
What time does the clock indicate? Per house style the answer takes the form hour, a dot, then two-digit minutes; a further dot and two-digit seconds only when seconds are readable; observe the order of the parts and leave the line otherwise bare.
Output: 11.56
